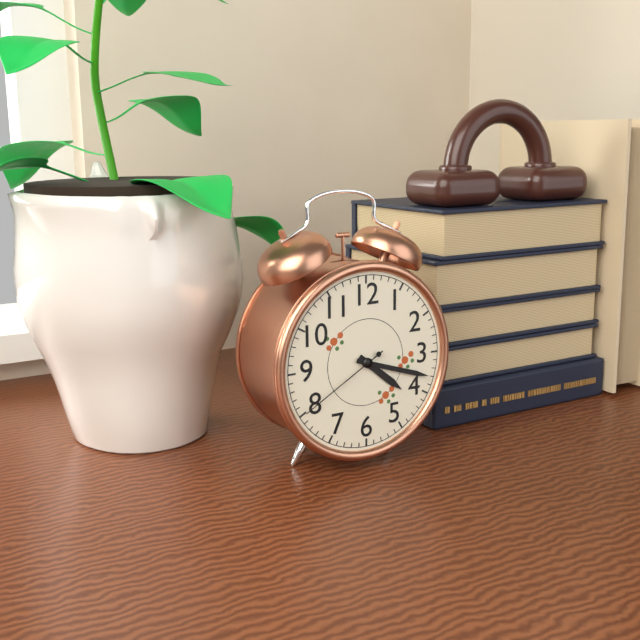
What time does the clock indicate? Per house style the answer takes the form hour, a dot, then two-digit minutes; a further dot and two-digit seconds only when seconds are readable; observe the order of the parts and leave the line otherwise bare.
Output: 4.18.40
